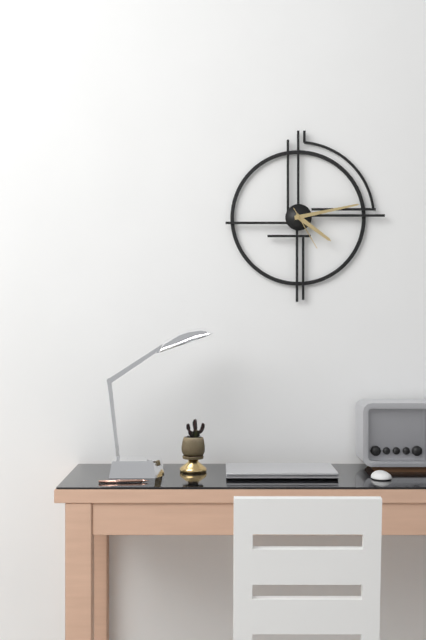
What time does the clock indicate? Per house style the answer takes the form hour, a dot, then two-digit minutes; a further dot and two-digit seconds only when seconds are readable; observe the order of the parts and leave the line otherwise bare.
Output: 4.13
